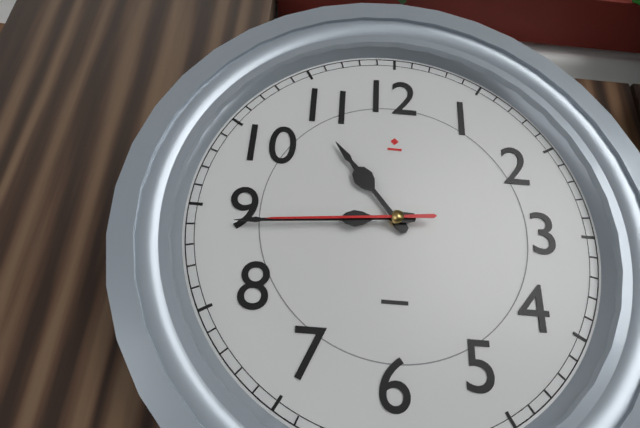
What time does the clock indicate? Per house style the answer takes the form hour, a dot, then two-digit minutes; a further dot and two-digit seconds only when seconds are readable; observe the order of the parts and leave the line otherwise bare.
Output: 10.44.44
